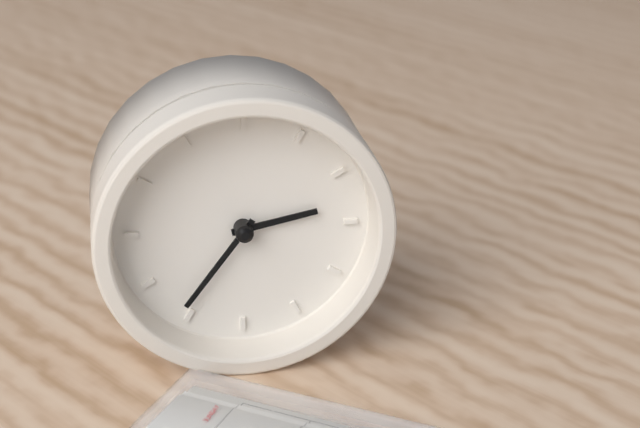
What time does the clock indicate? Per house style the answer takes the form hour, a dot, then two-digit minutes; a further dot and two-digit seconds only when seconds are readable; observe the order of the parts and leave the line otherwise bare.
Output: 2.36
